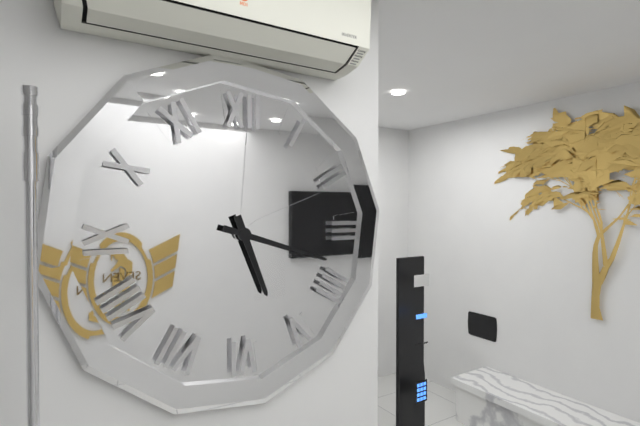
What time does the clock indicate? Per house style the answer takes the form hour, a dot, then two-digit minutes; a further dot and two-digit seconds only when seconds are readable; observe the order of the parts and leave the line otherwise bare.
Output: 5.18
